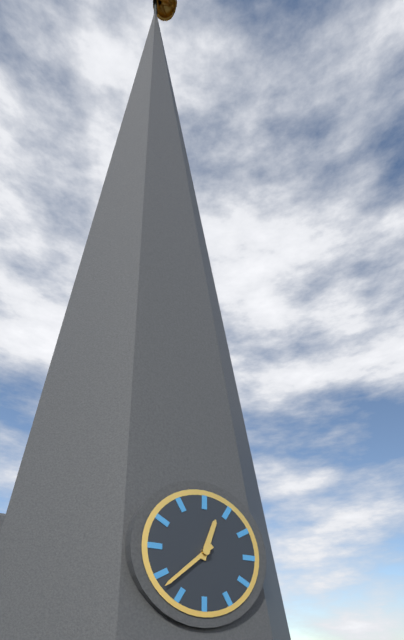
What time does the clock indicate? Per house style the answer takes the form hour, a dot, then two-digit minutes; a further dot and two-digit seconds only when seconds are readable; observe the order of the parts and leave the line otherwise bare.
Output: 12.38
